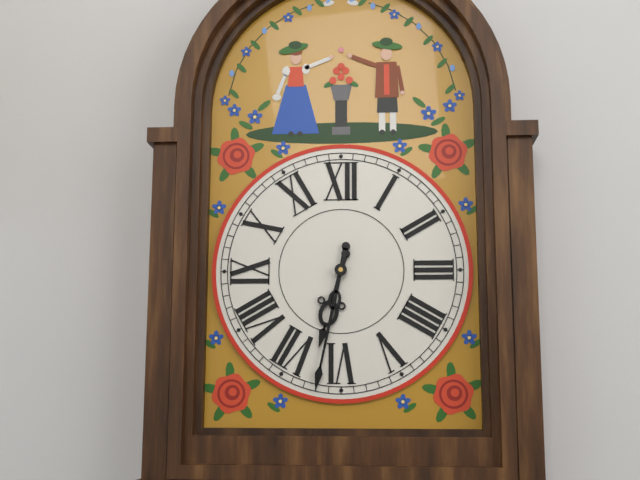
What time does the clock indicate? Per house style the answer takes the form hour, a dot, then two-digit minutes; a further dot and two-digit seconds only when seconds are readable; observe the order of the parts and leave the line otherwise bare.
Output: 6.32
